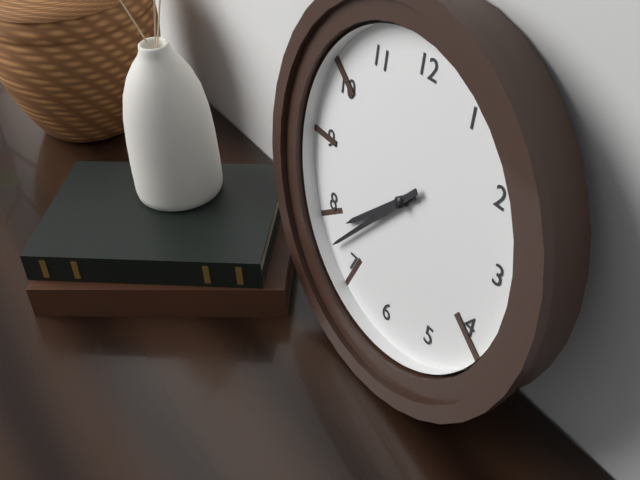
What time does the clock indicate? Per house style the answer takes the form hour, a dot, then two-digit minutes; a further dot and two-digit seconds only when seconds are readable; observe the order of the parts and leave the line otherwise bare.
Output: 7.37
